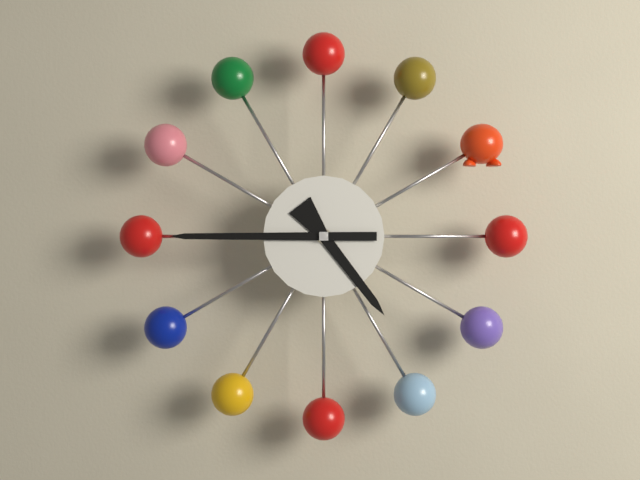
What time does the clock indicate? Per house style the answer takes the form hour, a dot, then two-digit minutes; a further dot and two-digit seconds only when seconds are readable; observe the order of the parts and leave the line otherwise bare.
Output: 4.45
